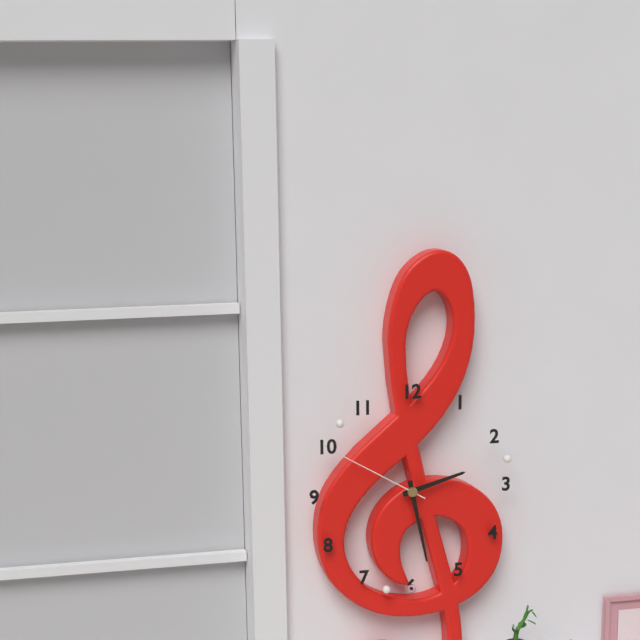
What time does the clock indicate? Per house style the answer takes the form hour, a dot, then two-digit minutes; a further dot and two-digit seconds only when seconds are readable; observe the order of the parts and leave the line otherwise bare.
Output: 2.28.50
